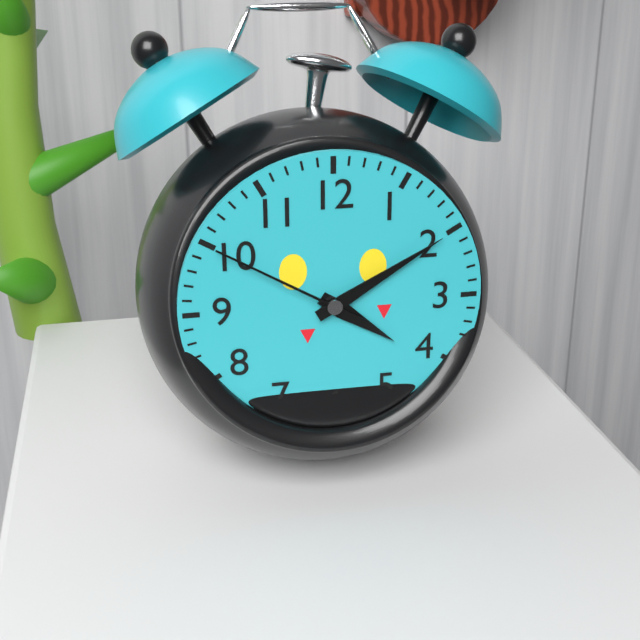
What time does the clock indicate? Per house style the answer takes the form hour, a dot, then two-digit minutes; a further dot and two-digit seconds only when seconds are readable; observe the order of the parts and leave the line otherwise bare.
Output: 4.10.50
